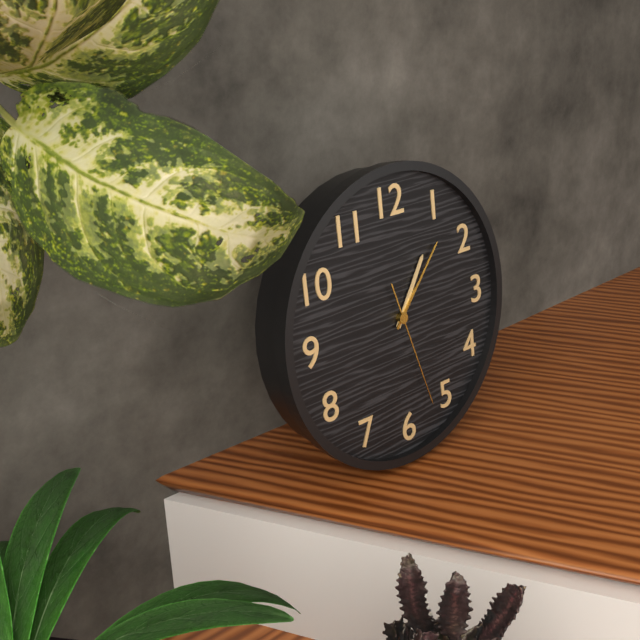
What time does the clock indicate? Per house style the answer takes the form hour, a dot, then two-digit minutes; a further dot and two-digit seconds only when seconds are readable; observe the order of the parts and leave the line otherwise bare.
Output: 1.07.27
